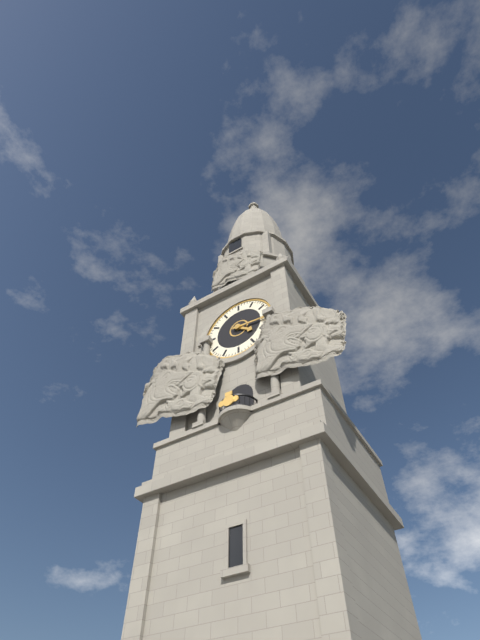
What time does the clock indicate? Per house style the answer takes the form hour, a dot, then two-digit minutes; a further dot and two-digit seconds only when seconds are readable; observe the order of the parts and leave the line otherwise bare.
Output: 4.16
